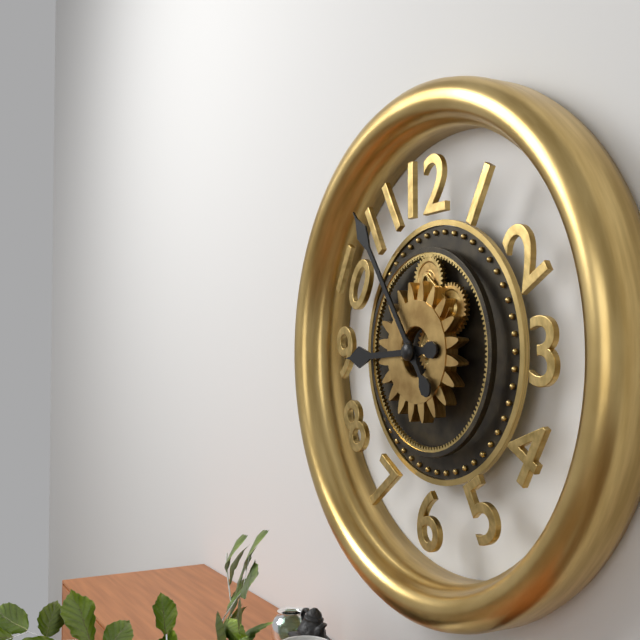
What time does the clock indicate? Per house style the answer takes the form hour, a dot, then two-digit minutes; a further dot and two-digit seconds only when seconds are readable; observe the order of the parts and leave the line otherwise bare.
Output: 8.54
